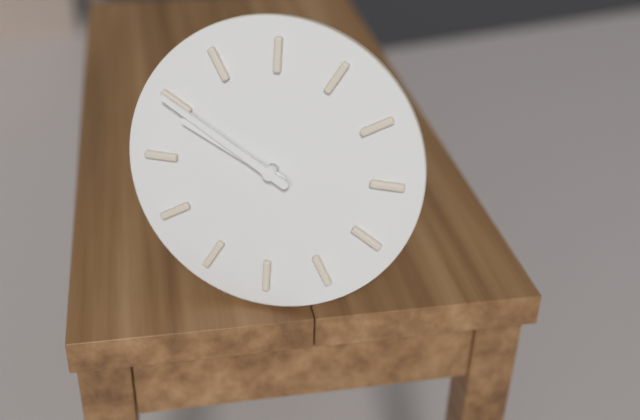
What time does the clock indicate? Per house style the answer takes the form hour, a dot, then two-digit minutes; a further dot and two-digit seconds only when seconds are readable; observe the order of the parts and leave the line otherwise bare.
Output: 9.50
